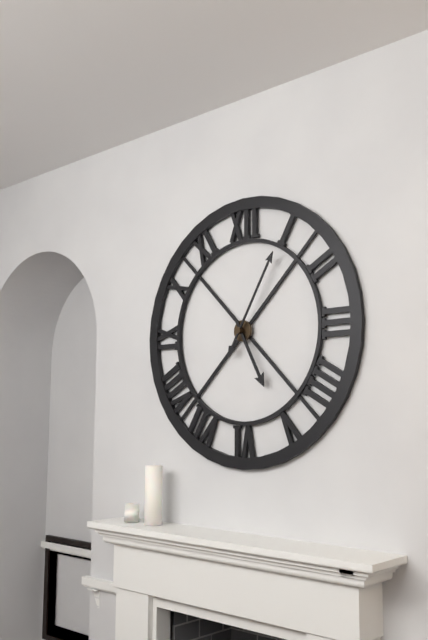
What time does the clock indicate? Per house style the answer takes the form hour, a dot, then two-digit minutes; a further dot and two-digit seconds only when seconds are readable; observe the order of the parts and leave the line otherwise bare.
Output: 5.05
